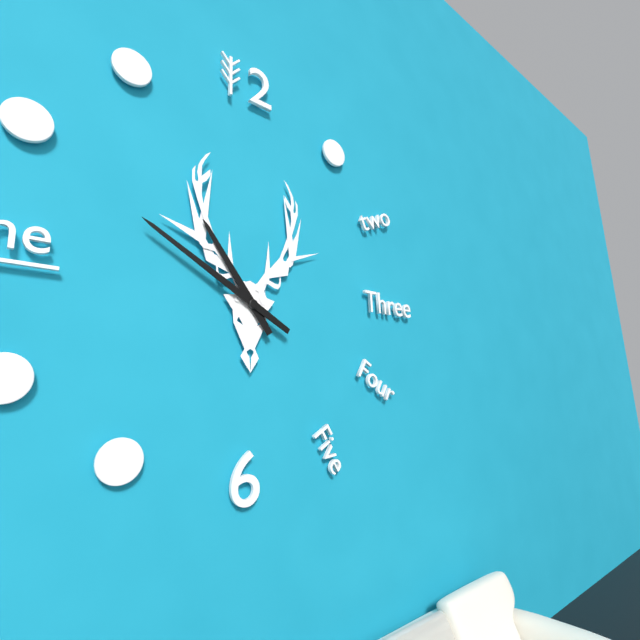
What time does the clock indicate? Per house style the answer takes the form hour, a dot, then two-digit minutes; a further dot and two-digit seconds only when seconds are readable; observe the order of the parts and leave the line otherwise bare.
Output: 10.50
